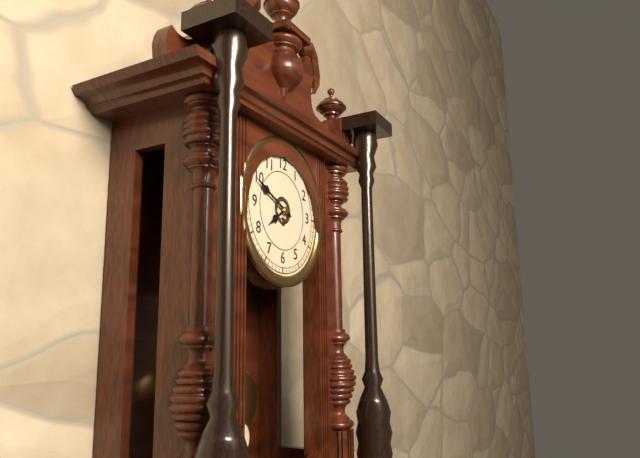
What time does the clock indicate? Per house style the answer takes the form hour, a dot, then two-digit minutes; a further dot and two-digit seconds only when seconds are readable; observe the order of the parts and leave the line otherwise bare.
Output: 7.49
